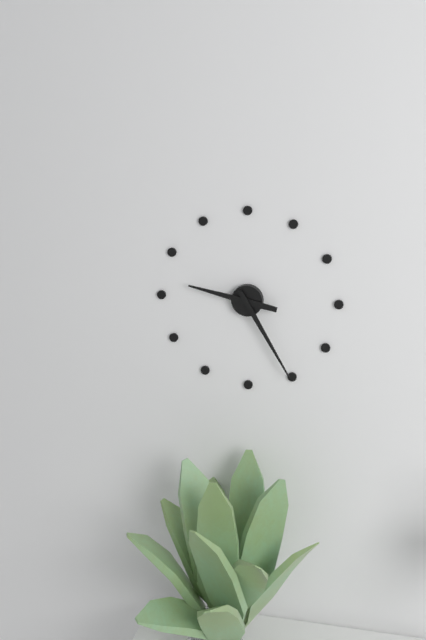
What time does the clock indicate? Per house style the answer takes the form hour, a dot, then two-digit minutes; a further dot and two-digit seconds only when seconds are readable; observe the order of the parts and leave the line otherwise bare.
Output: 9.25
